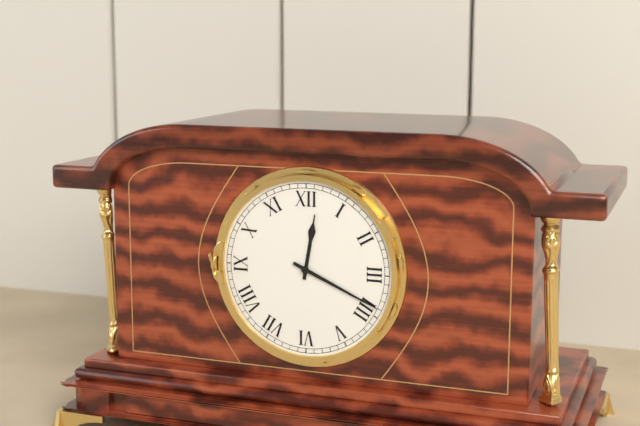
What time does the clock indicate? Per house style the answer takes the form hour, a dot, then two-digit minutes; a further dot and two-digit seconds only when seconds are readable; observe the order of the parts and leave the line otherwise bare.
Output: 12.19
